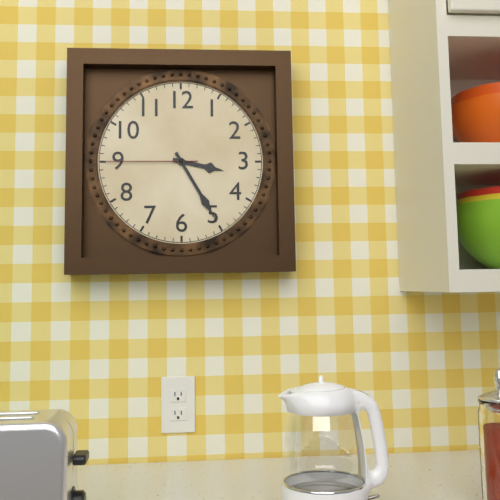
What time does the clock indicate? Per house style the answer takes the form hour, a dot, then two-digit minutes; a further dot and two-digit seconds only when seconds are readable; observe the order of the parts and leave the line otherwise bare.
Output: 3.25.45
